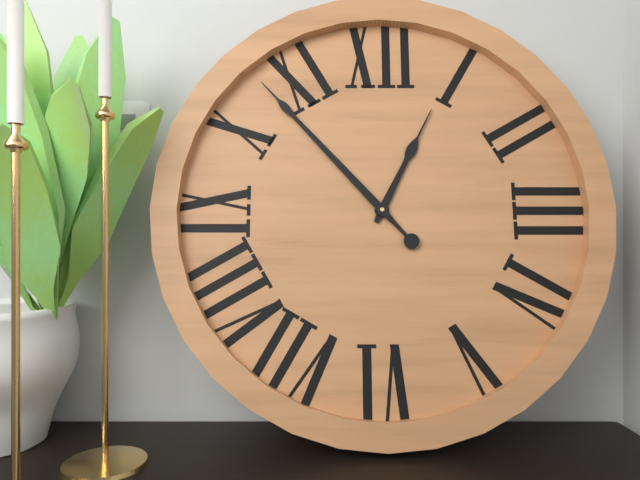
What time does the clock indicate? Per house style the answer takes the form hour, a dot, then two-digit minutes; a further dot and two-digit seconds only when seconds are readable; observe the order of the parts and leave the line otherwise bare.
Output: 12.53
